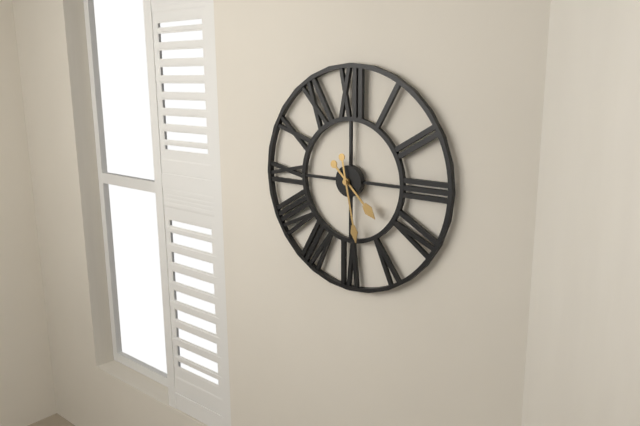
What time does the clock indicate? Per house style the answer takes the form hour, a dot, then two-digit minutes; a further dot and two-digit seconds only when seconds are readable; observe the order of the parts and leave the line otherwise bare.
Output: 4.28
